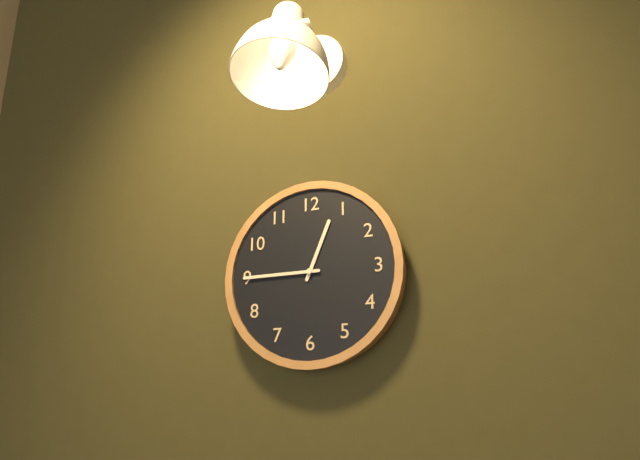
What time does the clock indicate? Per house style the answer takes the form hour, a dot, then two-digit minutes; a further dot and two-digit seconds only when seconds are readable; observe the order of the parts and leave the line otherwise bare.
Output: 12.45
